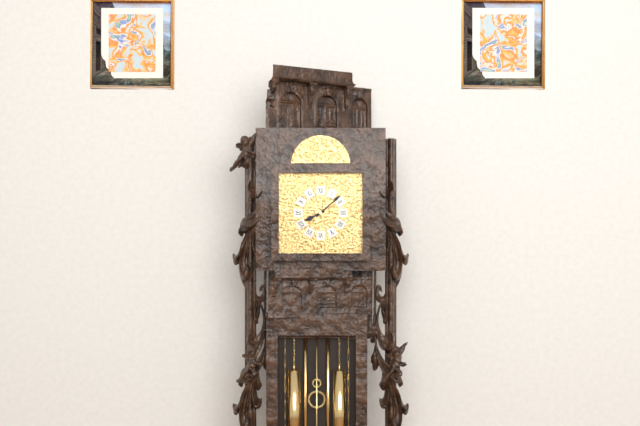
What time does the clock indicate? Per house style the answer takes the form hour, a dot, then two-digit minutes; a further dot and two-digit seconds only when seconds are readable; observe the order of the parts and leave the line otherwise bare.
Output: 8.08
